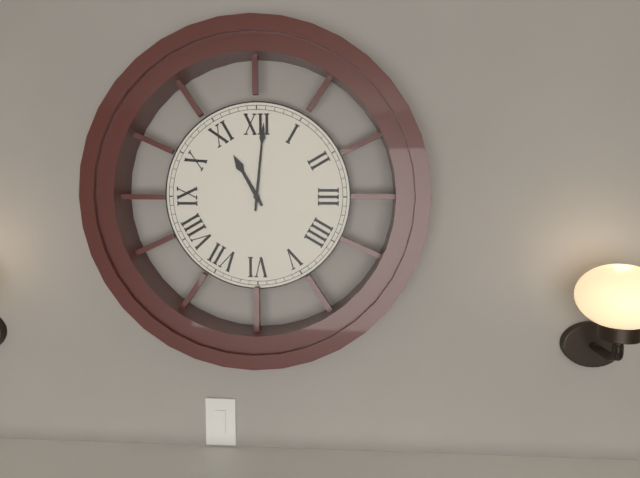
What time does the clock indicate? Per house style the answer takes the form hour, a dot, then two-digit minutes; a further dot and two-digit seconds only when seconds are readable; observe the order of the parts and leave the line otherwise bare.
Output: 11.01
